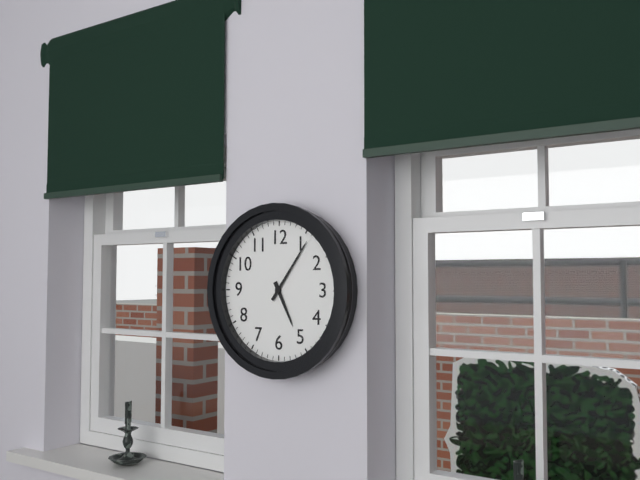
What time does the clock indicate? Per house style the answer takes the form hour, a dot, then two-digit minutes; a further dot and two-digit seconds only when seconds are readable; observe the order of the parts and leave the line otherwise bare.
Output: 5.06
